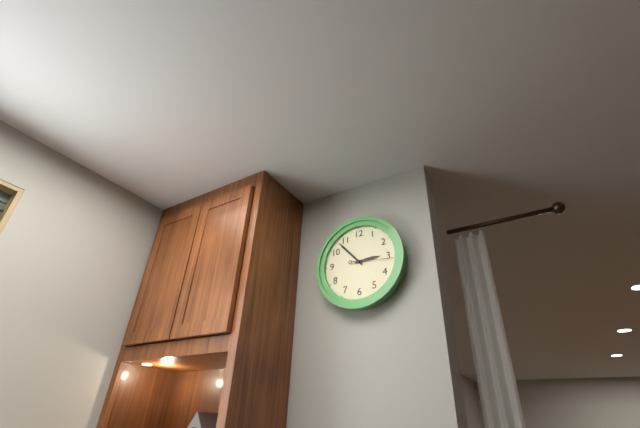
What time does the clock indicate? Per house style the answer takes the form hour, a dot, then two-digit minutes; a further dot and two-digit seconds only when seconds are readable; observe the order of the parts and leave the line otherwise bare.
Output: 2.53
